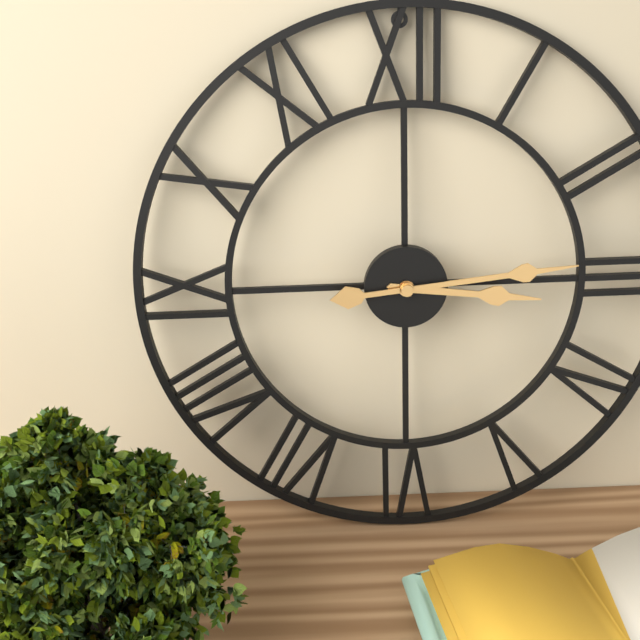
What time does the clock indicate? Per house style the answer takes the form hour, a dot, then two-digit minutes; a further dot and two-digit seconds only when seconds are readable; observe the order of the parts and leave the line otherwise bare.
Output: 3.14
